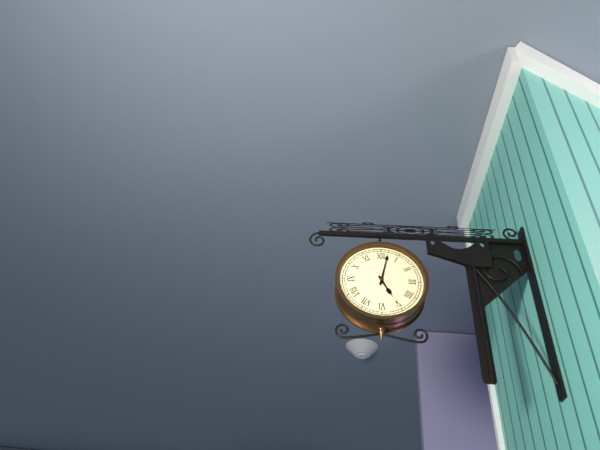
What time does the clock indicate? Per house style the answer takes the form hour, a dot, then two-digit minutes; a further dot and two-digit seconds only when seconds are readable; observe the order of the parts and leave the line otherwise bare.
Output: 5.02
